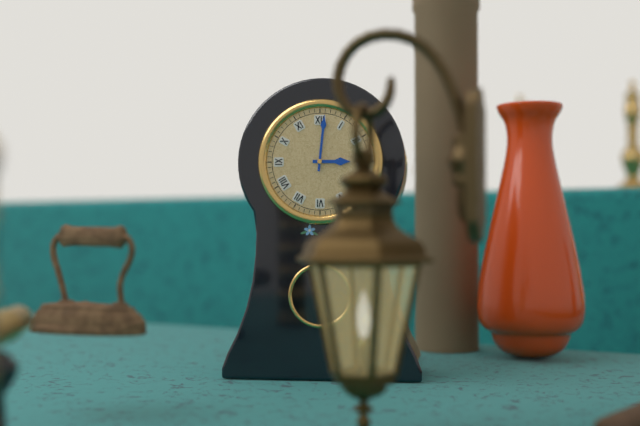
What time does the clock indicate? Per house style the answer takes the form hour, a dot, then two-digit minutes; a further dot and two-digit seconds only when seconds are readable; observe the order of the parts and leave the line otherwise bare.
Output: 3.01
